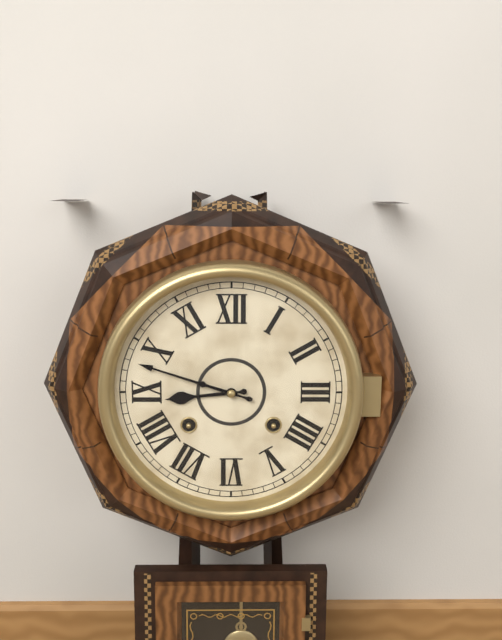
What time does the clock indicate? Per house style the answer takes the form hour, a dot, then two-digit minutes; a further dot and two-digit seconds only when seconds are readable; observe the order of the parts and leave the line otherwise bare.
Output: 8.48
